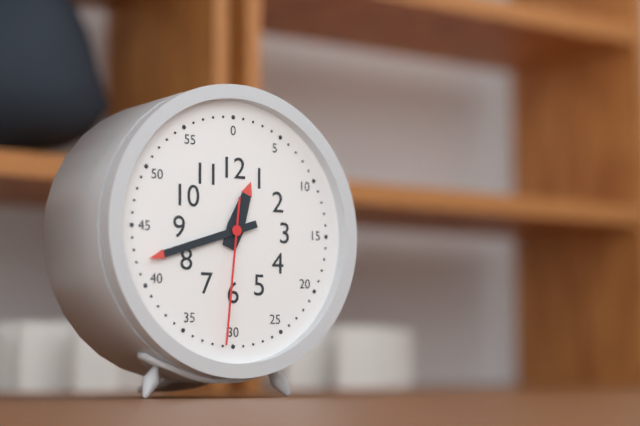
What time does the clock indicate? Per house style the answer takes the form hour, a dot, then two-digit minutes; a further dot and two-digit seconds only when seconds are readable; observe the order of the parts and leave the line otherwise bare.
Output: 12.42.31
